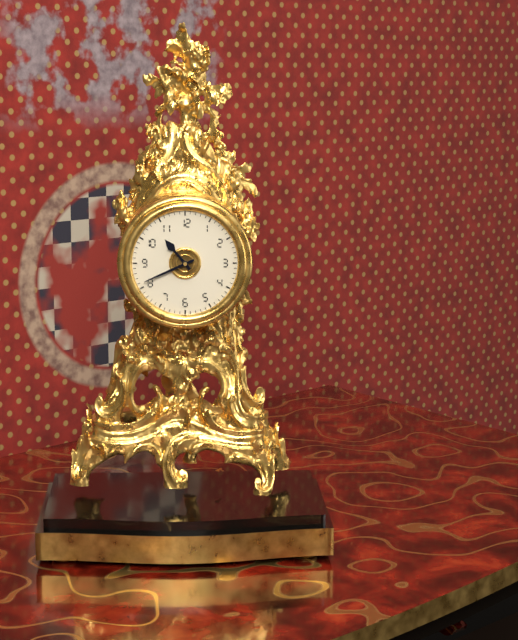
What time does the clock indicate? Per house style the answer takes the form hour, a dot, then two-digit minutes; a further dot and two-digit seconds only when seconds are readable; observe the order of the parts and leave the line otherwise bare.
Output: 10.41
